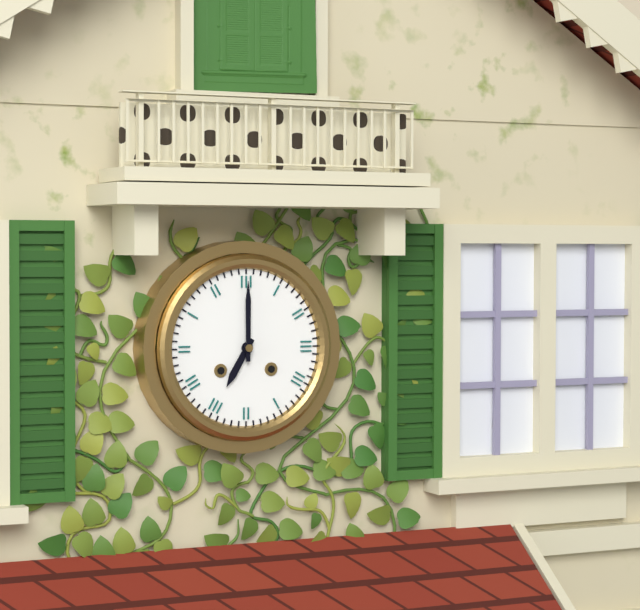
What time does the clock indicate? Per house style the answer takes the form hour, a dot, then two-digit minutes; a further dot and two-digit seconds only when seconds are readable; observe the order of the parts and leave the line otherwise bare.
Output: 7.00
